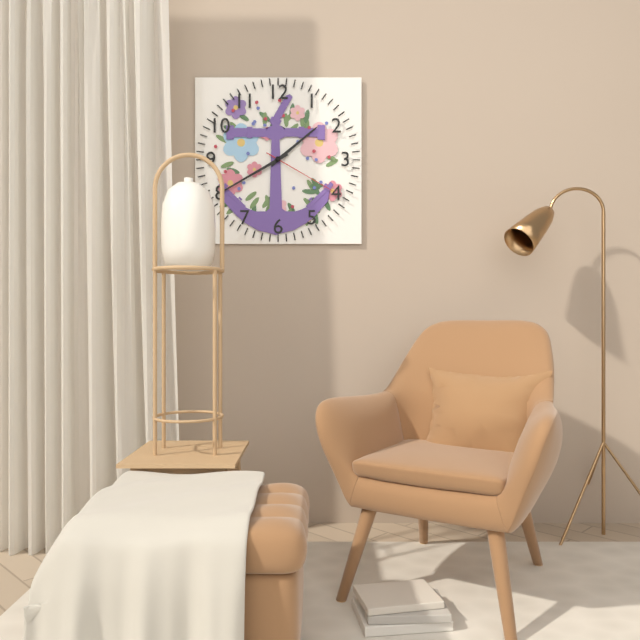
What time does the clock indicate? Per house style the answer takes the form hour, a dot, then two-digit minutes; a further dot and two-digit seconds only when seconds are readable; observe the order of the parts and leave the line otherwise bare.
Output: 1.40.20
